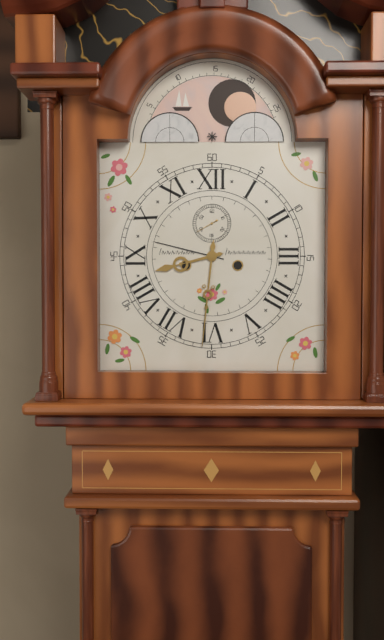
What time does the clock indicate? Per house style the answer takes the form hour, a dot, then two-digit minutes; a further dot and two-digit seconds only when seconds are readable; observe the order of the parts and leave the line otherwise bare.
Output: 8.31
